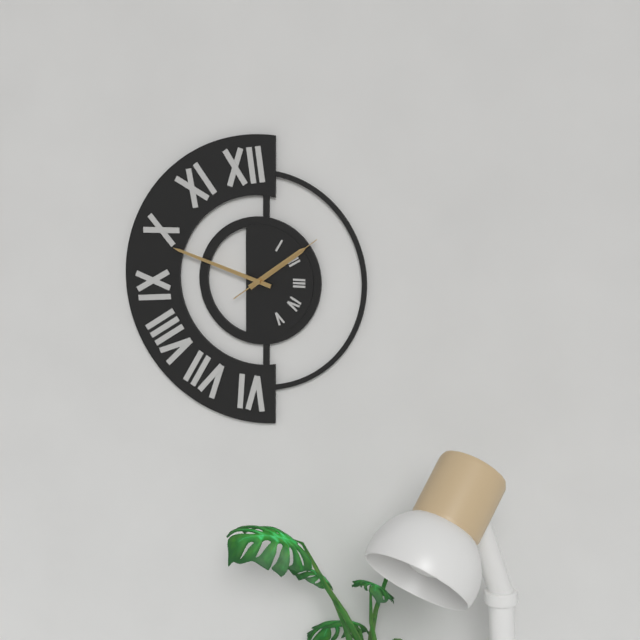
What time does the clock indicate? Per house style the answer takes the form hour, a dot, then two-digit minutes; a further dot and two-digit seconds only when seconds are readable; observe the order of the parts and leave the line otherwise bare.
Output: 1.48.09
